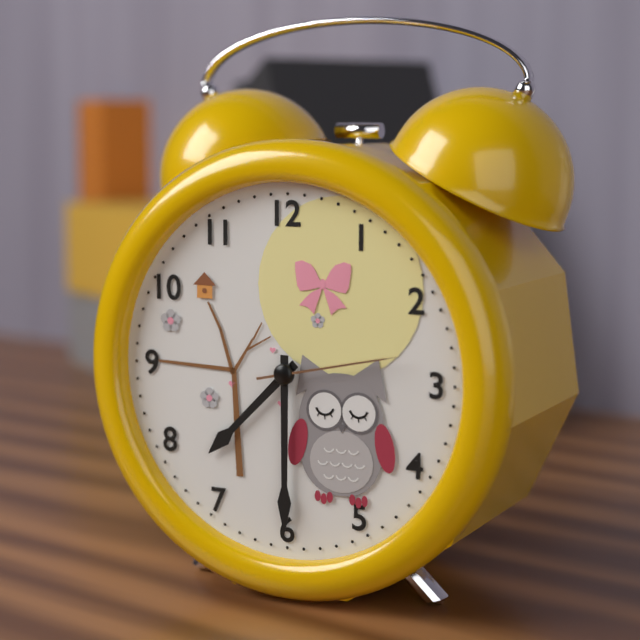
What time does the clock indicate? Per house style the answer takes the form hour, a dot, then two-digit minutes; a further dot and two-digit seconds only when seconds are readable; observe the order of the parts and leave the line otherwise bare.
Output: 7.30.13
